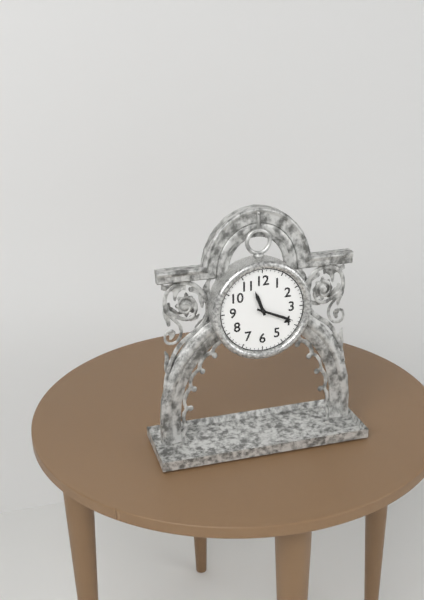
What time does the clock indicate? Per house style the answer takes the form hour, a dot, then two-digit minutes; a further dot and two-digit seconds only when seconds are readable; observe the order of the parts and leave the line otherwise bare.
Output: 11.19
